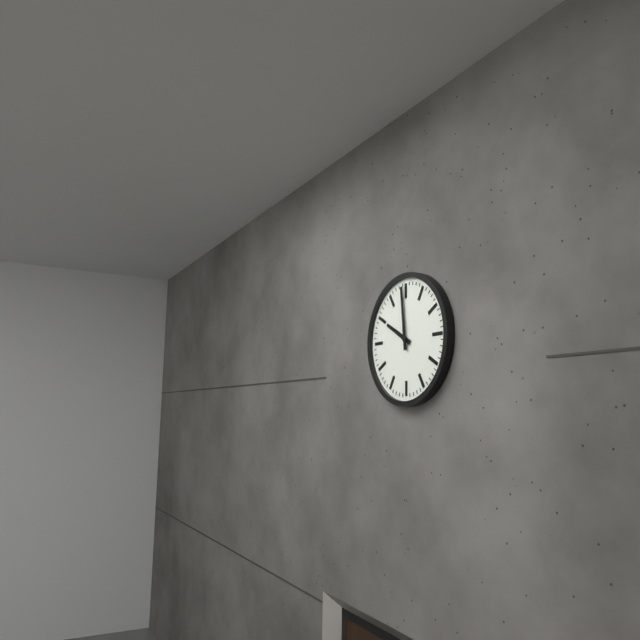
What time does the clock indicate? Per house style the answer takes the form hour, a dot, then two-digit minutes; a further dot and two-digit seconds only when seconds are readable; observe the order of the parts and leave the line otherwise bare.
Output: 9.59
